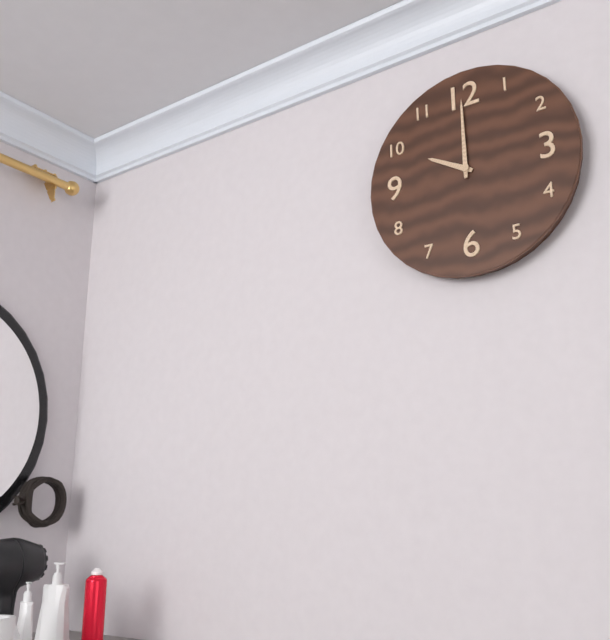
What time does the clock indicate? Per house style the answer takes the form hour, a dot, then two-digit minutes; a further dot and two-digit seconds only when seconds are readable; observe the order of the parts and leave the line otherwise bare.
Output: 10.00
